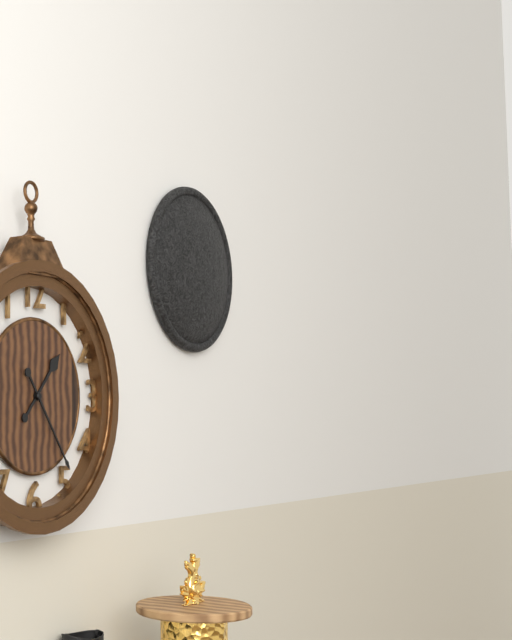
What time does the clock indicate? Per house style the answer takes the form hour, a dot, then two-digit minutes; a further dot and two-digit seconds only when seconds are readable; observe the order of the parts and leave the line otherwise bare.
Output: 1.24
